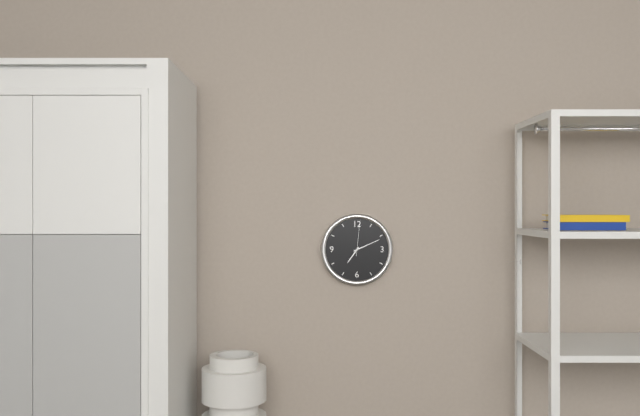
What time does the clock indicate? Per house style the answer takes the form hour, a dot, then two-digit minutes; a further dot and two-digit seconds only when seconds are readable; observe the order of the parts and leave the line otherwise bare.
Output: 7.11
